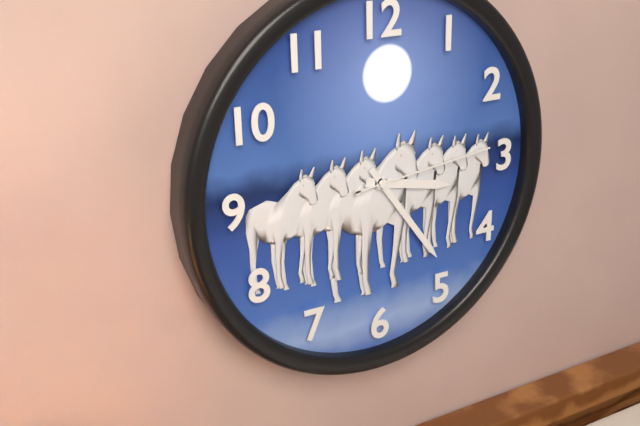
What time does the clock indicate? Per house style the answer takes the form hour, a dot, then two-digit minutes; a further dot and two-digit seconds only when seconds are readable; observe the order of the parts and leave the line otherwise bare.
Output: 3.24.14
